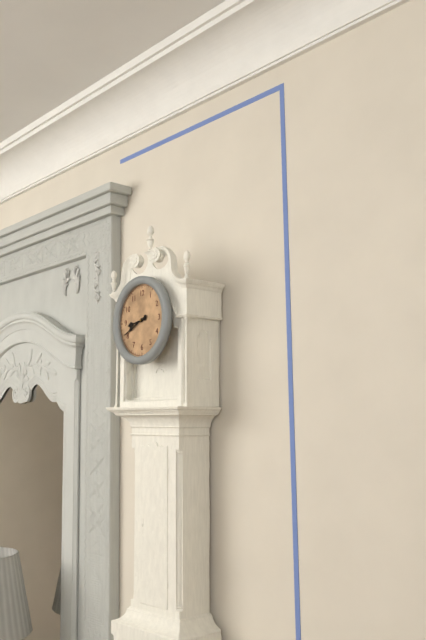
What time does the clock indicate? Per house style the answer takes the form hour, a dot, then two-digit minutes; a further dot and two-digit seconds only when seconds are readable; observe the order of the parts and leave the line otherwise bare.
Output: 8.41
